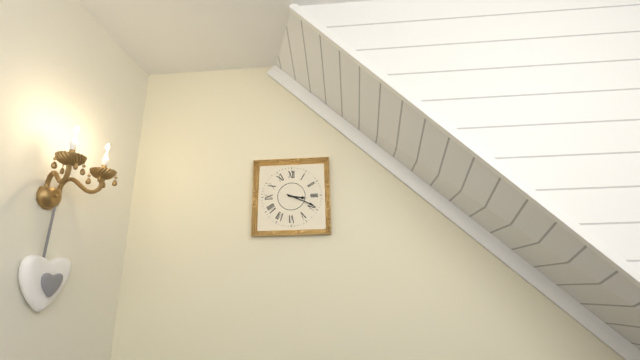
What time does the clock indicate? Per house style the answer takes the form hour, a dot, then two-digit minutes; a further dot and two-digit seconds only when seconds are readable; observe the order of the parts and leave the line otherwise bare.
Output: 3.19
